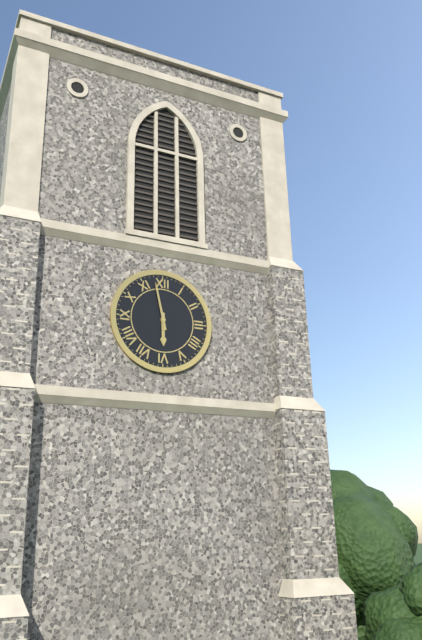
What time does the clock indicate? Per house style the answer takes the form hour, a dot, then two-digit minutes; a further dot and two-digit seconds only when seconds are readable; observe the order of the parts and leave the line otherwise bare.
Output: 5.58
